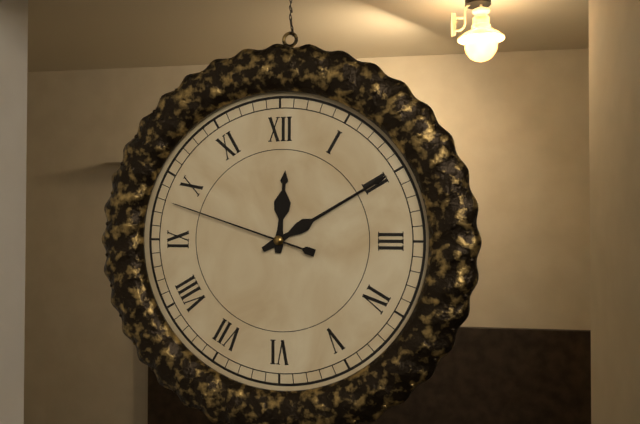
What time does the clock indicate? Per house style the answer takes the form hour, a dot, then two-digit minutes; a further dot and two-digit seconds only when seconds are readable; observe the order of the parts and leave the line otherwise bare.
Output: 12.10.48
